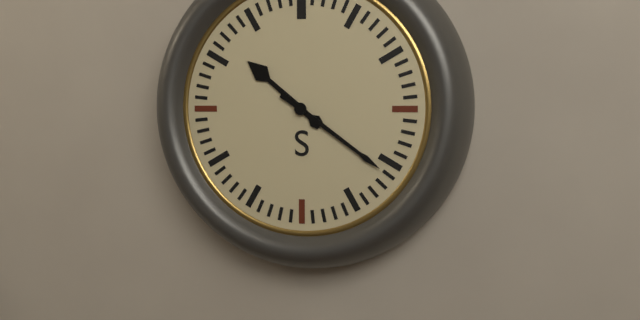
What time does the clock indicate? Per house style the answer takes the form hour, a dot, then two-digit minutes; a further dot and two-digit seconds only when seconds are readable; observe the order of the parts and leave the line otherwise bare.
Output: 10.21
